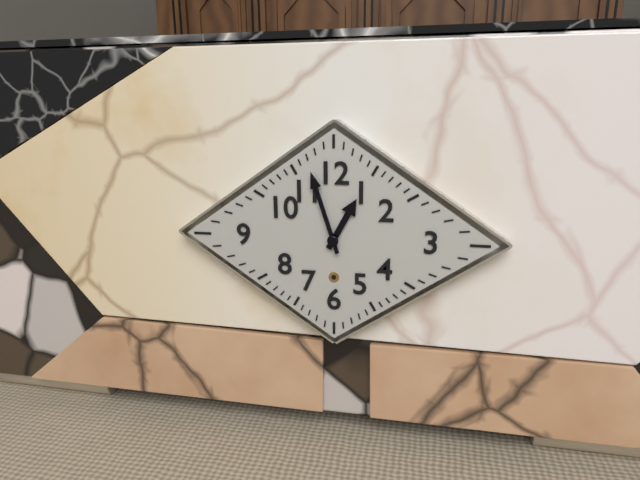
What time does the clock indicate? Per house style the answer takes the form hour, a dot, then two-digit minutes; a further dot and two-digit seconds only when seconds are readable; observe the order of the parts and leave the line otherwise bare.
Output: 12.57
